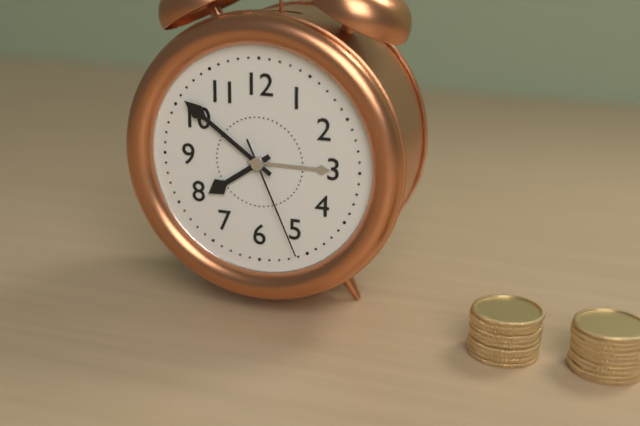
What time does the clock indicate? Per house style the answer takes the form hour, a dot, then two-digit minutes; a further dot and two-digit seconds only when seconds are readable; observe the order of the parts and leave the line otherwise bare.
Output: 7.51.26
